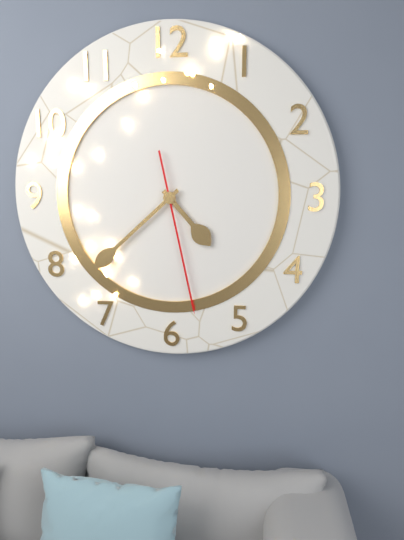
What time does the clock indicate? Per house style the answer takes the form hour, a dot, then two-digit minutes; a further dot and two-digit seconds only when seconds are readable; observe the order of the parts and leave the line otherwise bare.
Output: 4.38.28
